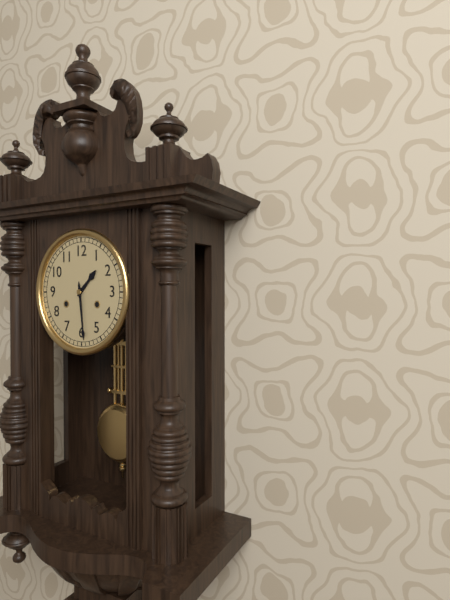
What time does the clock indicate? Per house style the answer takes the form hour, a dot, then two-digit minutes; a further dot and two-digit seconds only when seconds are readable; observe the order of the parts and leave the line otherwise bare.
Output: 1.29
